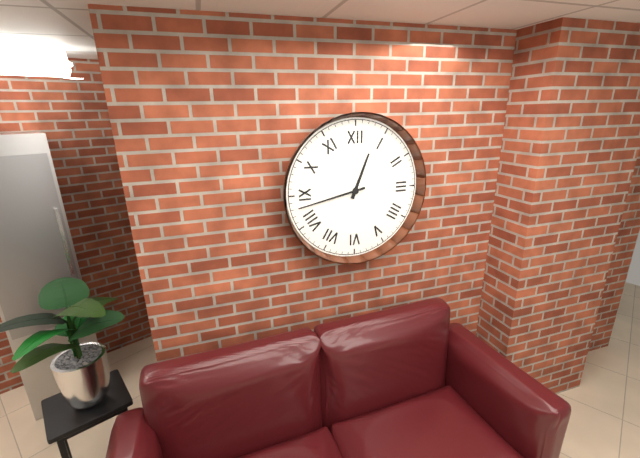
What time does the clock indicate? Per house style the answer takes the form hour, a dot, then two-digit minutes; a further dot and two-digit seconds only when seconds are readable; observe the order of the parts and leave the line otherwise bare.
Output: 12.43
